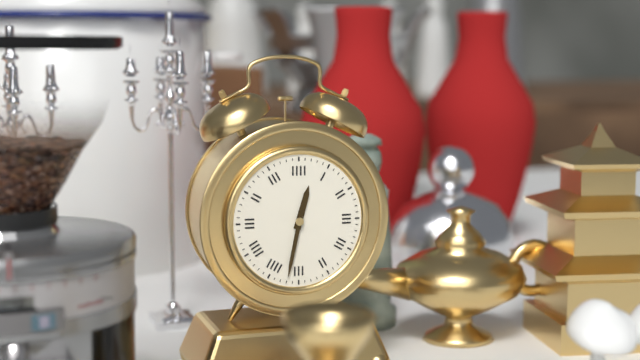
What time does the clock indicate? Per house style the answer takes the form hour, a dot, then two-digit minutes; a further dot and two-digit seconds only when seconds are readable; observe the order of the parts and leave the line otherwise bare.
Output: 12.32
